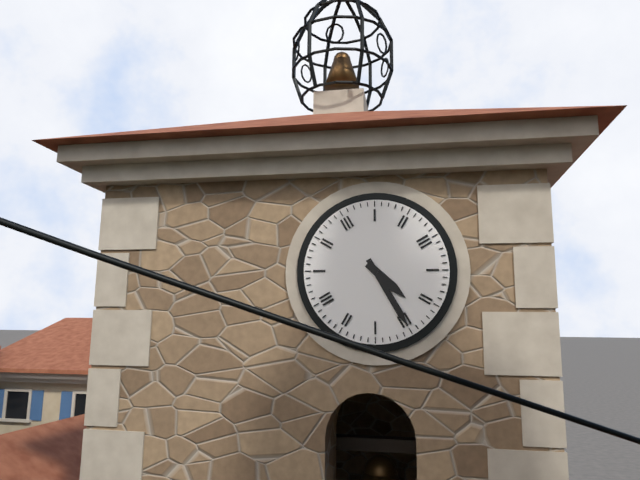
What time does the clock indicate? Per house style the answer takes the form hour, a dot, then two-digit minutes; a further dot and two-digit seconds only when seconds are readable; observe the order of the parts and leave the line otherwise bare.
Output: 4.25
